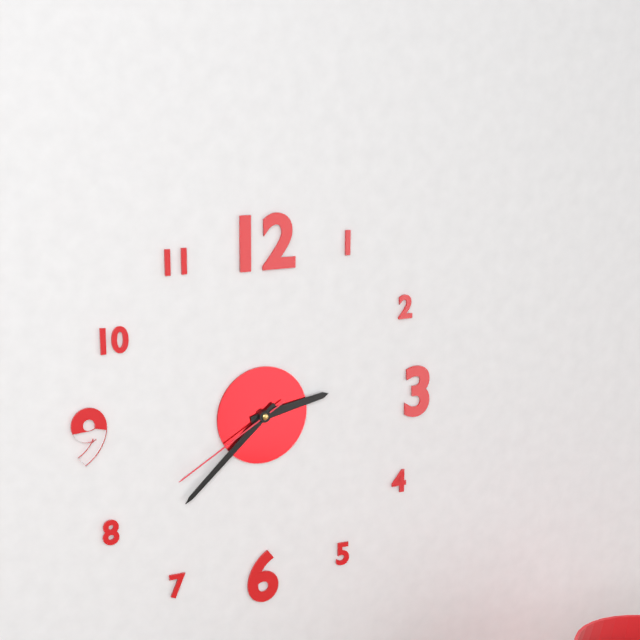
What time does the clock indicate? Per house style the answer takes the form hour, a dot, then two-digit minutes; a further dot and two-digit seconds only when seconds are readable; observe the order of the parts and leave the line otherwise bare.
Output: 2.38.40
